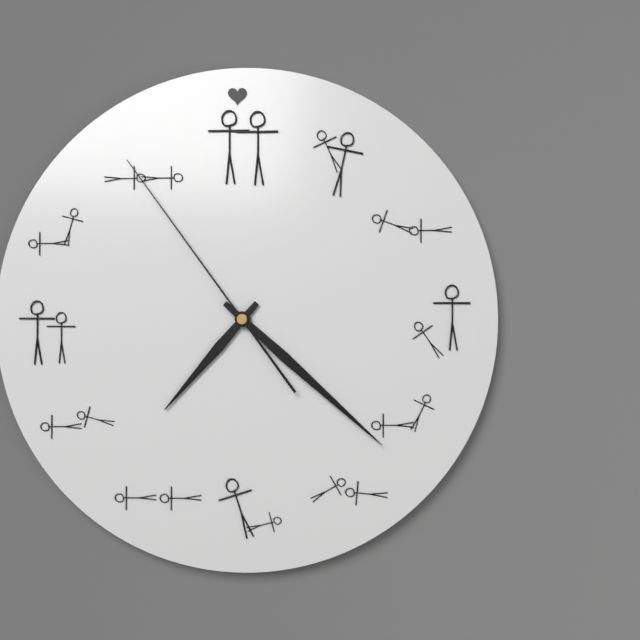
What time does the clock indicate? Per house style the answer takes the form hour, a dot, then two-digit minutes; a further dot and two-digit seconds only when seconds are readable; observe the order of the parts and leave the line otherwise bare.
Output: 7.22.54
